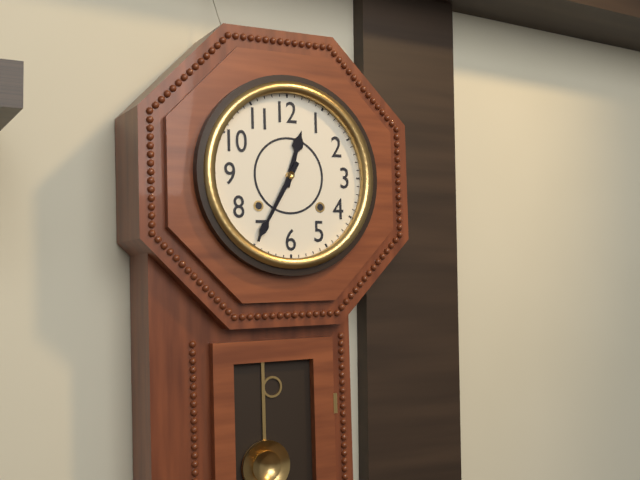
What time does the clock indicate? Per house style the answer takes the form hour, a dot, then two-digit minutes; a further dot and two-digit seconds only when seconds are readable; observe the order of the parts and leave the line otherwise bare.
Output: 12.35
